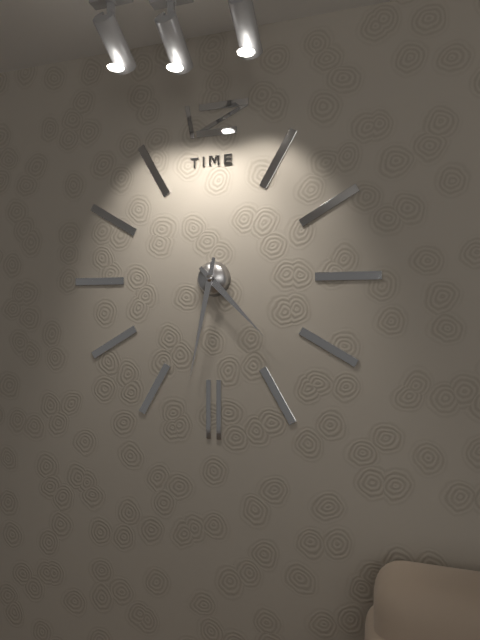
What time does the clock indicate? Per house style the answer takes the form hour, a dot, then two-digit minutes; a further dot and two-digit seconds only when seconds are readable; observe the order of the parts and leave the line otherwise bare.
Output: 4.32
